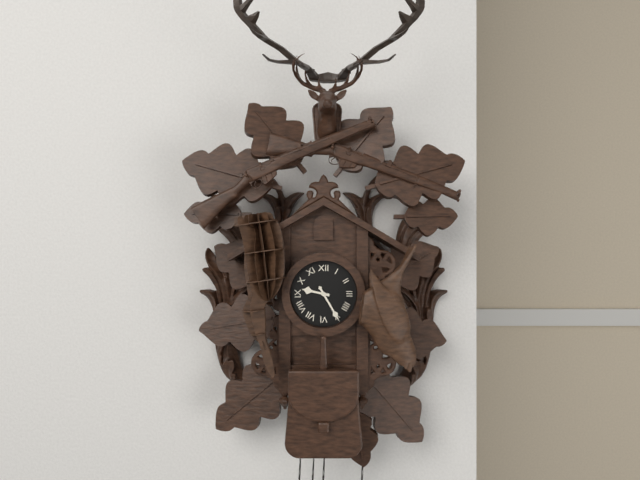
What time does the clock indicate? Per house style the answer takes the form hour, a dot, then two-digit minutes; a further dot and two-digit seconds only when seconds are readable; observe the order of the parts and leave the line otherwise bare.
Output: 9.25
